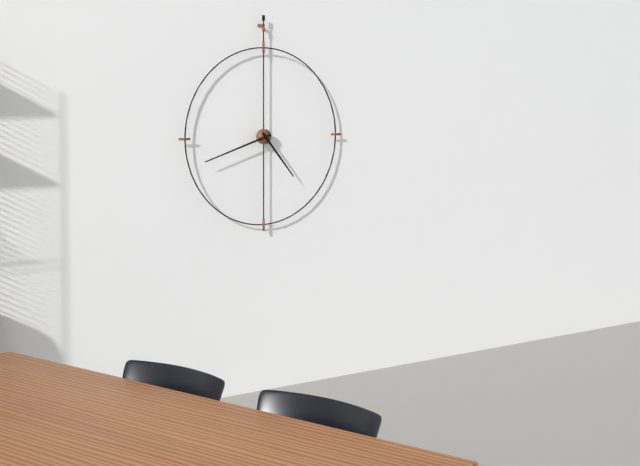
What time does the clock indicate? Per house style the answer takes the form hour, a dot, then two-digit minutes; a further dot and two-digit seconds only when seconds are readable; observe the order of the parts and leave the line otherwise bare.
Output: 4.42
